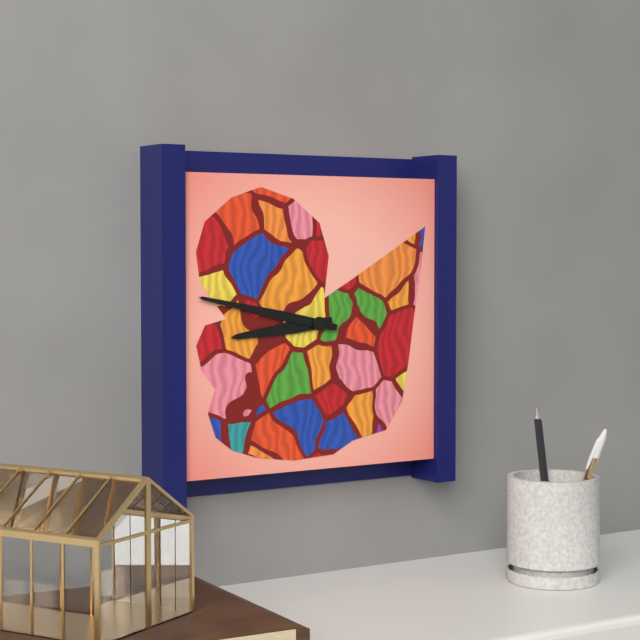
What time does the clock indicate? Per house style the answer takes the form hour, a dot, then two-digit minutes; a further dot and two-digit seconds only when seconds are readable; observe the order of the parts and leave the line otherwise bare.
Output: 8.47
